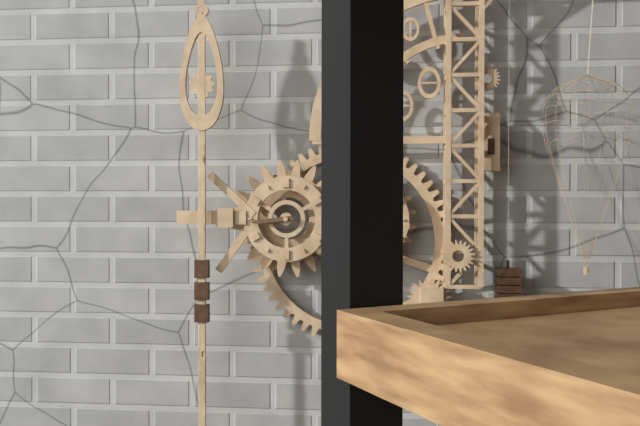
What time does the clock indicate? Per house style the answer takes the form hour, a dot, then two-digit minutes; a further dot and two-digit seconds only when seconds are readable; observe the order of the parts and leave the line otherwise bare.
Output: 8.44
